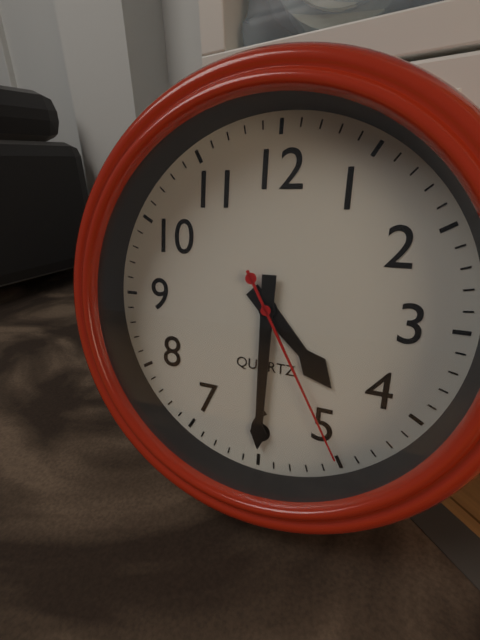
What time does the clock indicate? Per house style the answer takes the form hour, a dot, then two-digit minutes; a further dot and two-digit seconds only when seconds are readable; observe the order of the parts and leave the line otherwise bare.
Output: 4.30.25
